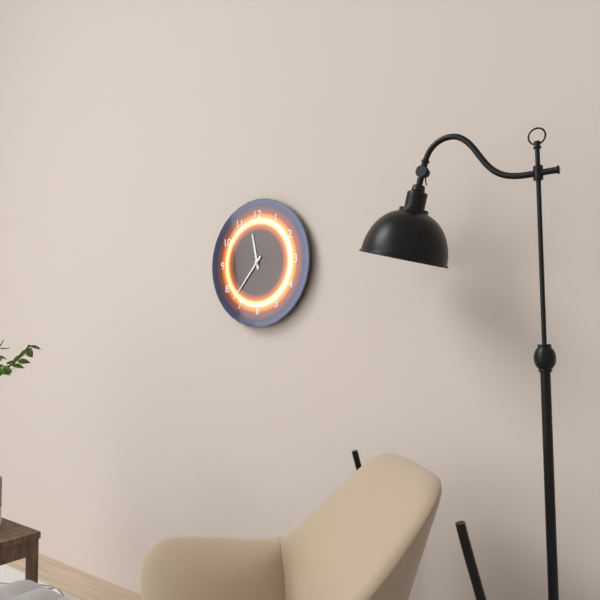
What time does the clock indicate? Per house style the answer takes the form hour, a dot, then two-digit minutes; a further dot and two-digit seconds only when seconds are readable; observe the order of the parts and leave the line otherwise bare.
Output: 11.37
